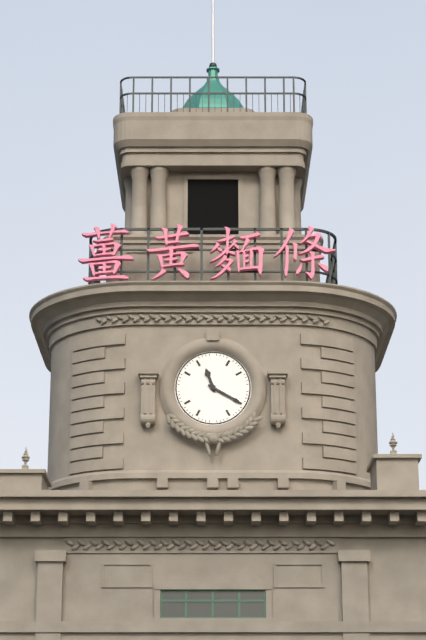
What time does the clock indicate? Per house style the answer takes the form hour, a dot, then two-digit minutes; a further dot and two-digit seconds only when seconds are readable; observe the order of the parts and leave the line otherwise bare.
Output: 11.20
